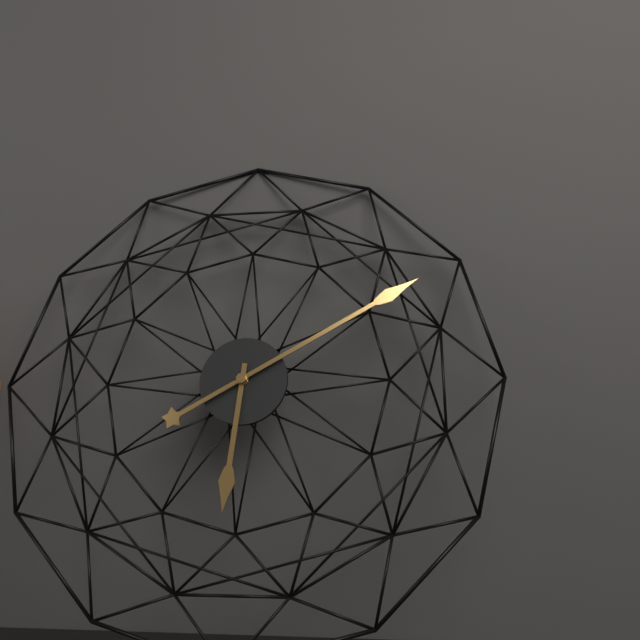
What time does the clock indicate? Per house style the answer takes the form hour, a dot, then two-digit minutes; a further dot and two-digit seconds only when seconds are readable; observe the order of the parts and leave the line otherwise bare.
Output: 6.10
